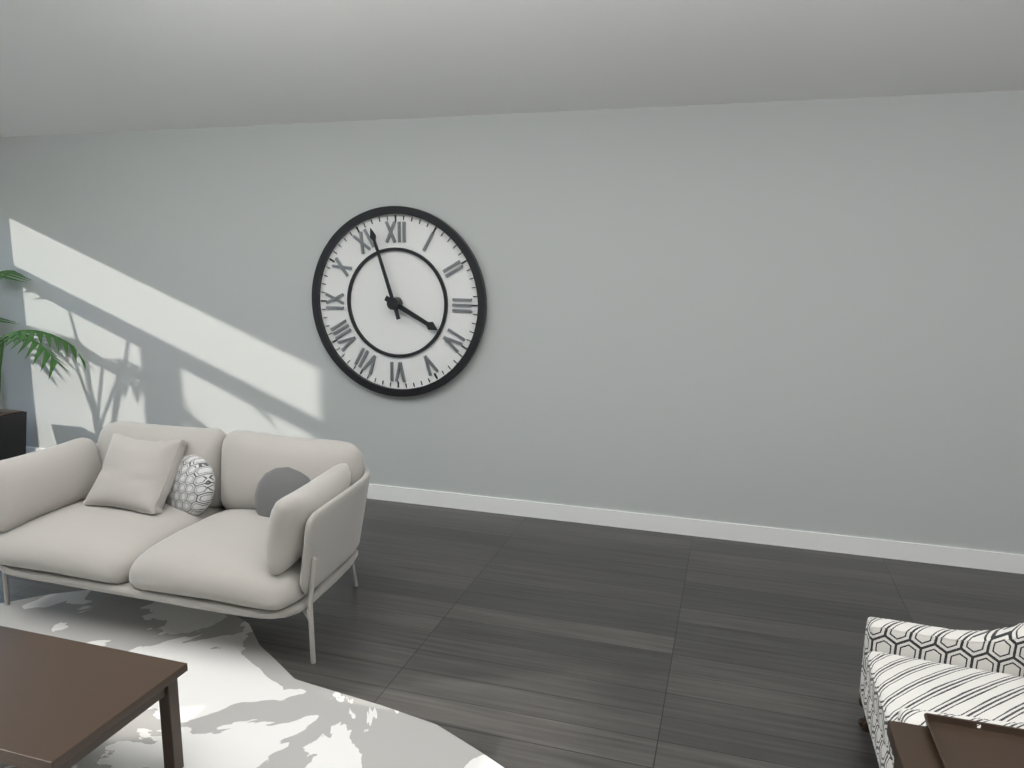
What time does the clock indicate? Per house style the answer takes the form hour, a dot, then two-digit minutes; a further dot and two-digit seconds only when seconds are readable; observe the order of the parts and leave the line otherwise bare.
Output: 3.57
